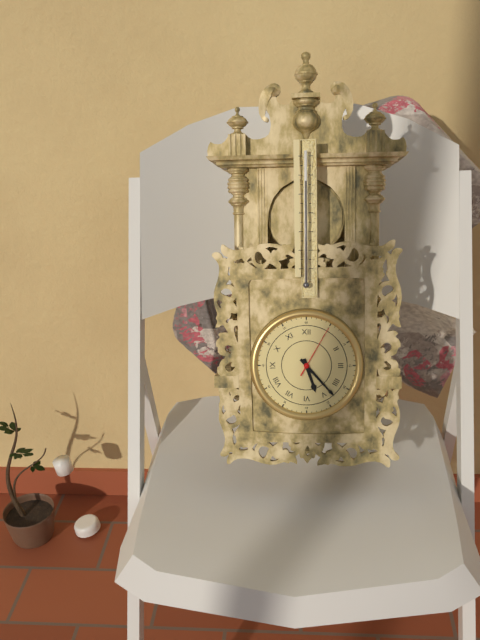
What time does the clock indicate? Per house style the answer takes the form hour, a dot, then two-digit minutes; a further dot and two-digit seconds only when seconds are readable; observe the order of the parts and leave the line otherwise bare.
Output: 5.23.05
